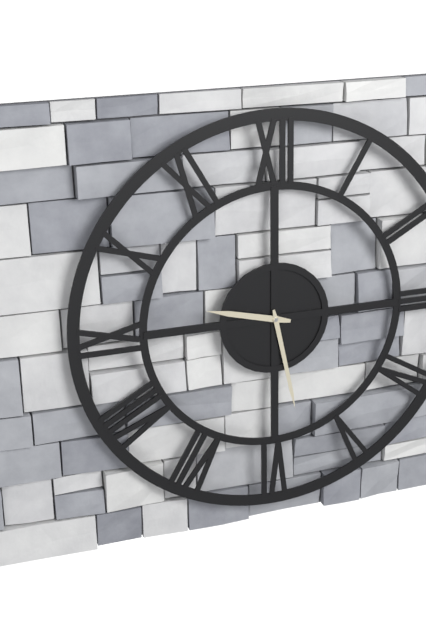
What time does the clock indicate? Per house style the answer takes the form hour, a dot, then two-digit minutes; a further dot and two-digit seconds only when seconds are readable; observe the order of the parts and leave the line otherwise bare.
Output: 9.28
